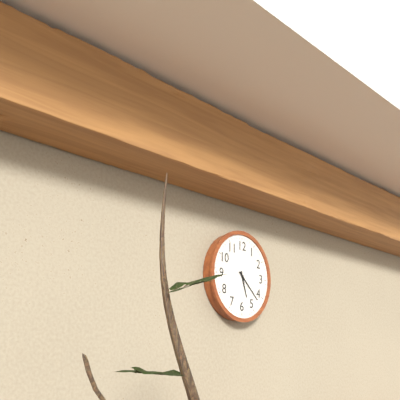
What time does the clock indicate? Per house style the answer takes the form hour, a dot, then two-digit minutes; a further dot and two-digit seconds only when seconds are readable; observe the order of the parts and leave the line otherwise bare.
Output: 5.22
